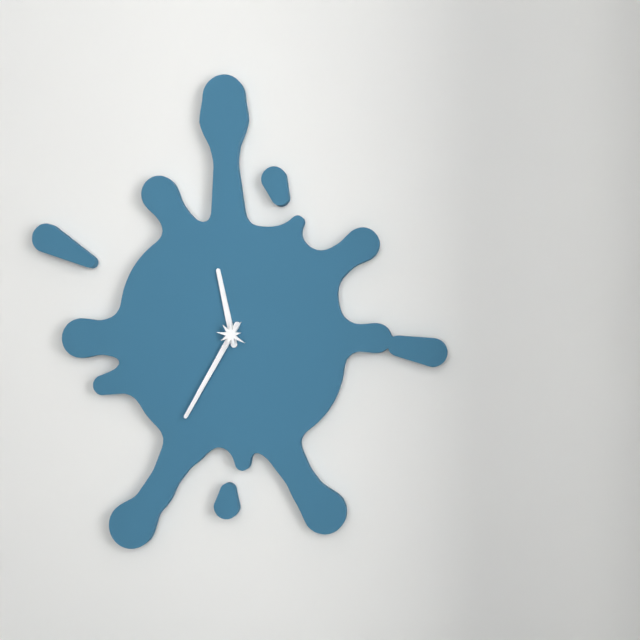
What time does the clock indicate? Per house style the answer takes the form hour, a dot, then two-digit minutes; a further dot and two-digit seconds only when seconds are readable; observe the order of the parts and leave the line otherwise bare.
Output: 11.35
